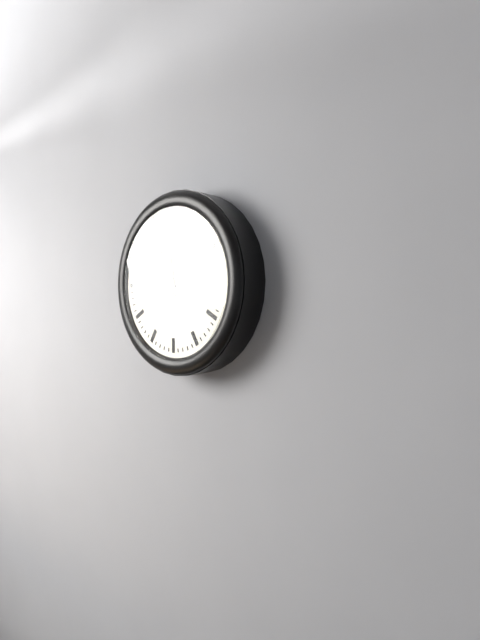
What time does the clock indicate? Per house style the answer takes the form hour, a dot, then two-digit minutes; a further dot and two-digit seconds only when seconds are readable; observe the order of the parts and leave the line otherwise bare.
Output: 10.59
